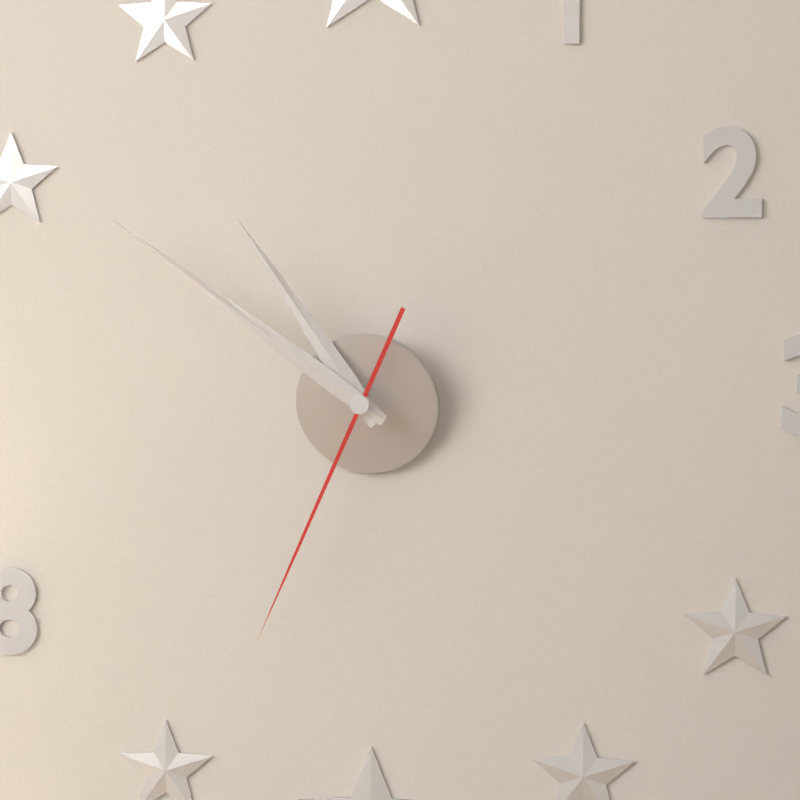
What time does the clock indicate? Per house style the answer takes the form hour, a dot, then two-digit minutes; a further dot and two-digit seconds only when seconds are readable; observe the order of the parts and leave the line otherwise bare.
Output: 10.51.34
